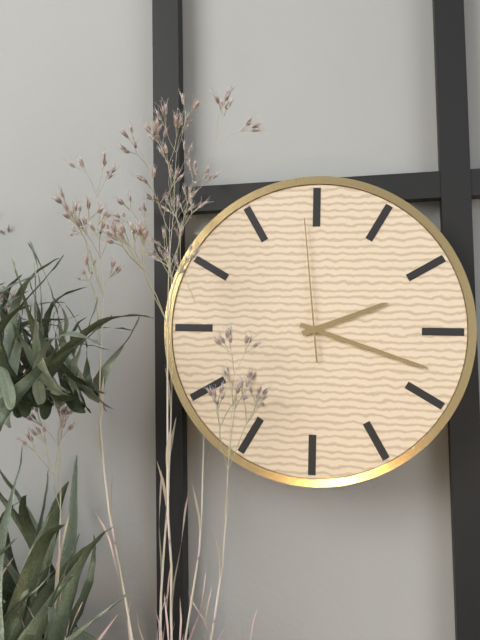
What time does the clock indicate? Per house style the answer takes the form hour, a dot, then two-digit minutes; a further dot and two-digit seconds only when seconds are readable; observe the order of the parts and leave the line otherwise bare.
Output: 2.18.59
